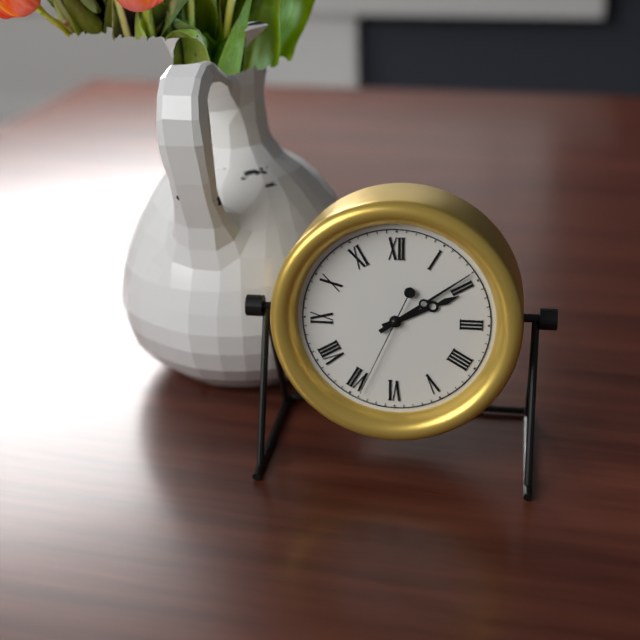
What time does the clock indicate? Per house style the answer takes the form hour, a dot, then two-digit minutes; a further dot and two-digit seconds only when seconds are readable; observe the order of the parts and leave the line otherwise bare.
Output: 2.09.34
